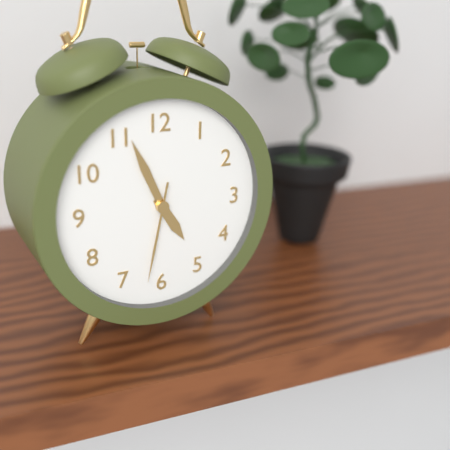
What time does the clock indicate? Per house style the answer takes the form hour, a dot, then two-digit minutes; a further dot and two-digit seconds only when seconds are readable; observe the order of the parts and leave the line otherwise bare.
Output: 4.56.32
